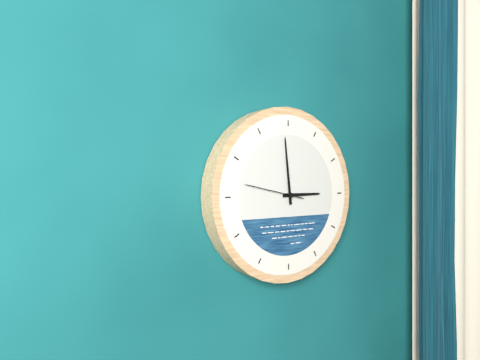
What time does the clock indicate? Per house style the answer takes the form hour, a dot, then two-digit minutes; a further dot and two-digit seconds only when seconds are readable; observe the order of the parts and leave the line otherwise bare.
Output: 2.59.47
